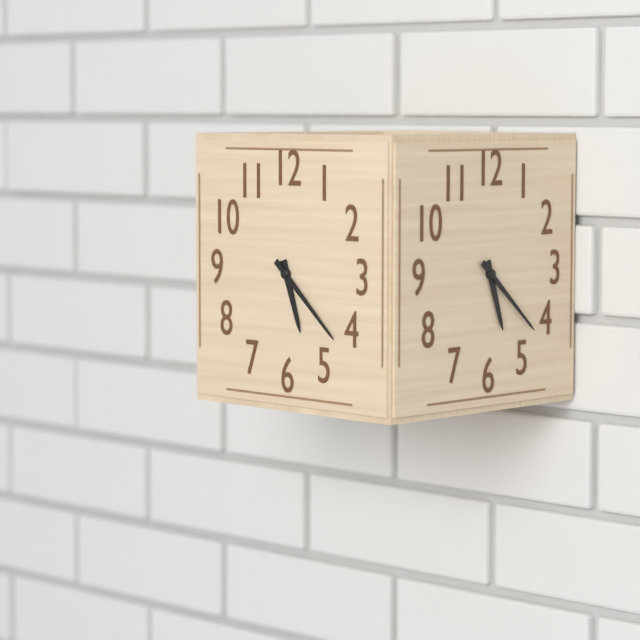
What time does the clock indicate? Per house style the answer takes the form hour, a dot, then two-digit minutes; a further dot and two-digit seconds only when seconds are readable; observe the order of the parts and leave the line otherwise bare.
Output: 5.22
